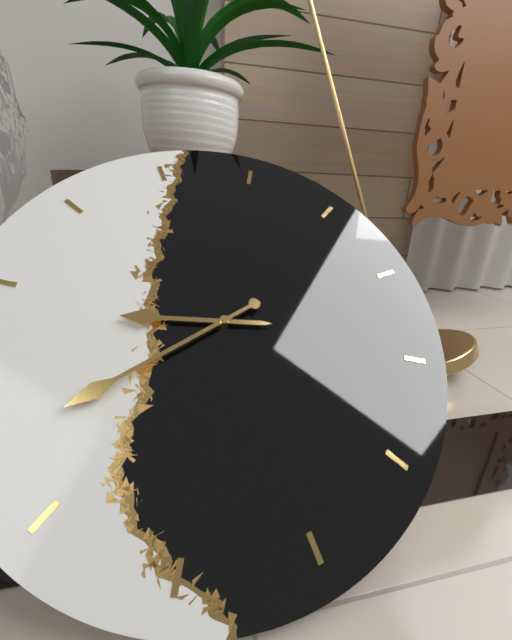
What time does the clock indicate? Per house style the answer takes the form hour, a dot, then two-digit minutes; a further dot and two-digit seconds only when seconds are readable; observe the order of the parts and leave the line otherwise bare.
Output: 9.43
